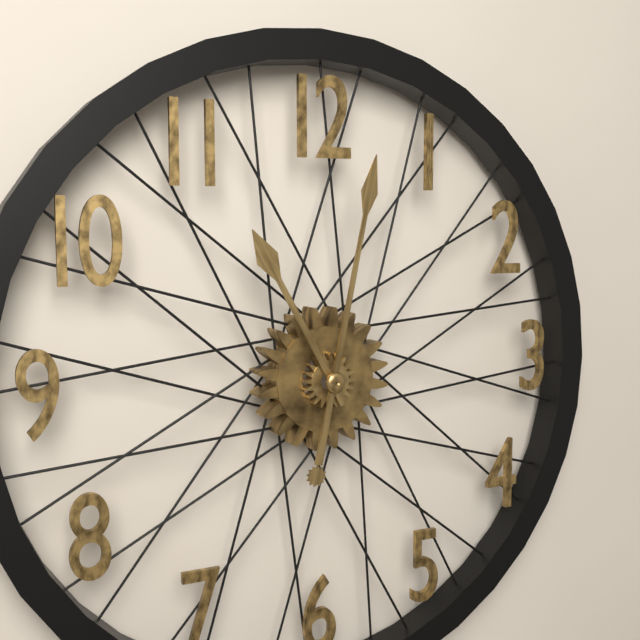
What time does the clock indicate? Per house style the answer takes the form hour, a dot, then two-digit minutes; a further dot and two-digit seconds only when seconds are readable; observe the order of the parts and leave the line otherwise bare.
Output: 11.02
